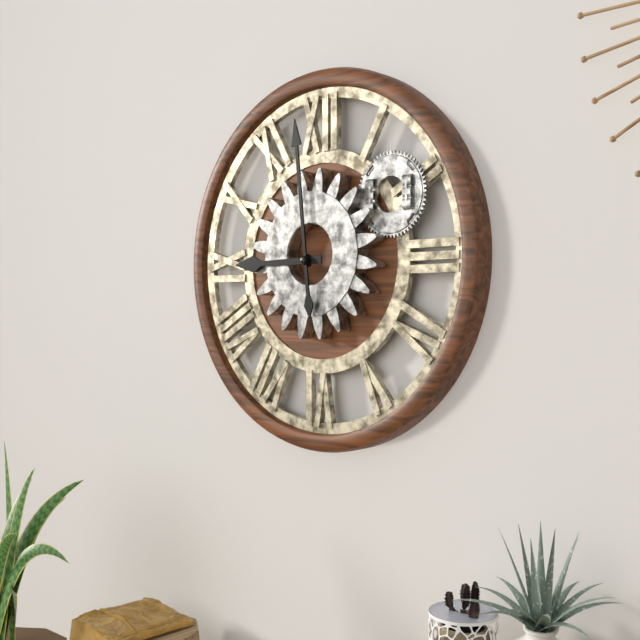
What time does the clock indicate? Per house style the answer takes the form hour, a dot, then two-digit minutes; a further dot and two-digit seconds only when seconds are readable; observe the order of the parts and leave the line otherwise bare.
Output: 8.59
